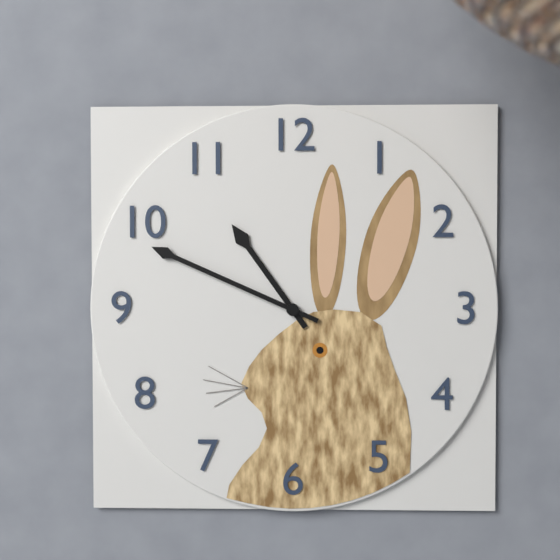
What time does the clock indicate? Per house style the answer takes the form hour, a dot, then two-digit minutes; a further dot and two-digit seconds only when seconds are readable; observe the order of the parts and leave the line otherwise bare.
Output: 10.49
